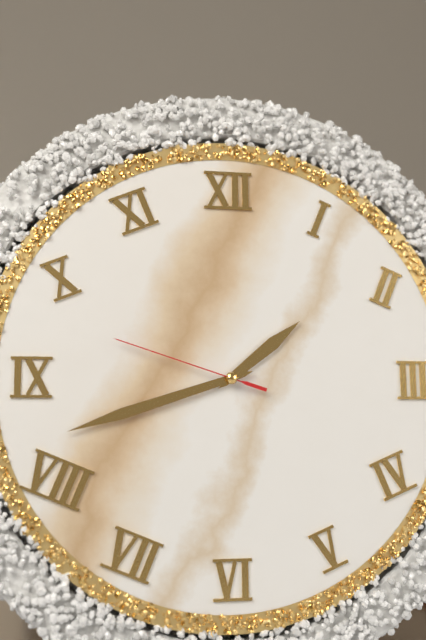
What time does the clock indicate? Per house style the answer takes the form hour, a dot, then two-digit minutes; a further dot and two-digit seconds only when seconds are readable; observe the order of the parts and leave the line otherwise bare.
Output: 1.42.48
